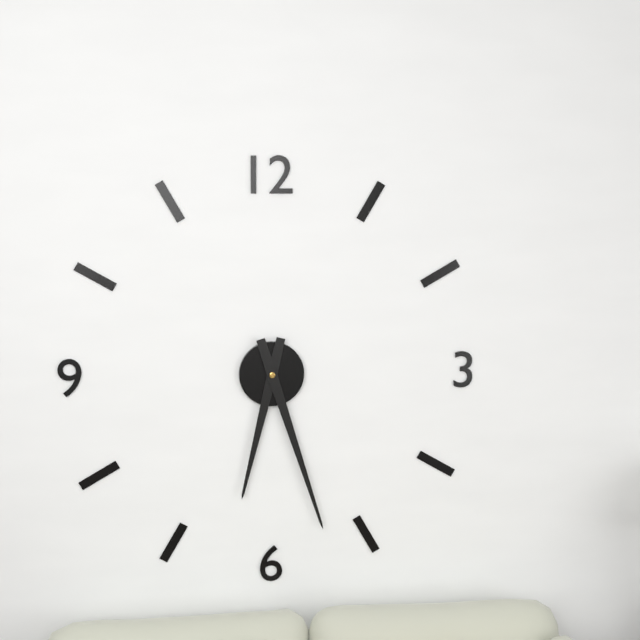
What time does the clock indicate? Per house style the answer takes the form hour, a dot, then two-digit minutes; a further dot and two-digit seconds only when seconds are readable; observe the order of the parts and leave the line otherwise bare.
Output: 6.27
